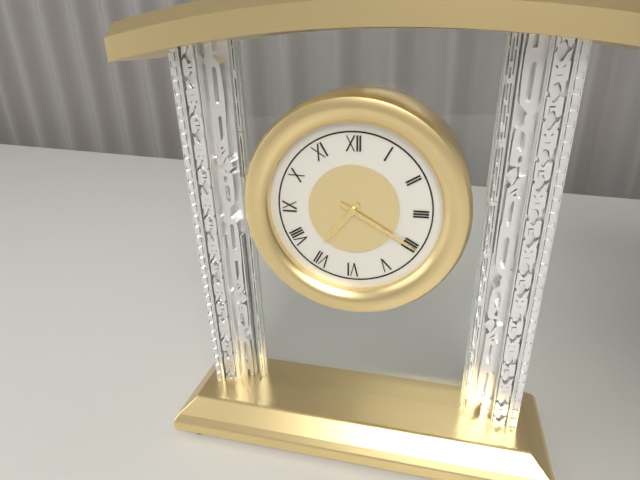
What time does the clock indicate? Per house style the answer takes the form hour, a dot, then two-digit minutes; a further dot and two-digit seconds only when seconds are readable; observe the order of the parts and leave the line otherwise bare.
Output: 7.20
